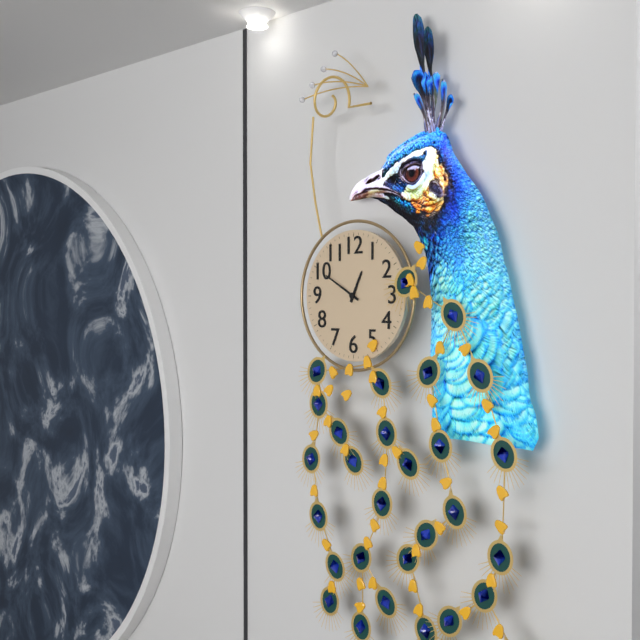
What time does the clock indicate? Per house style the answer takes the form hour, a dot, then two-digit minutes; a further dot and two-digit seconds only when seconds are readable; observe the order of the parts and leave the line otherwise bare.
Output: 12.50
